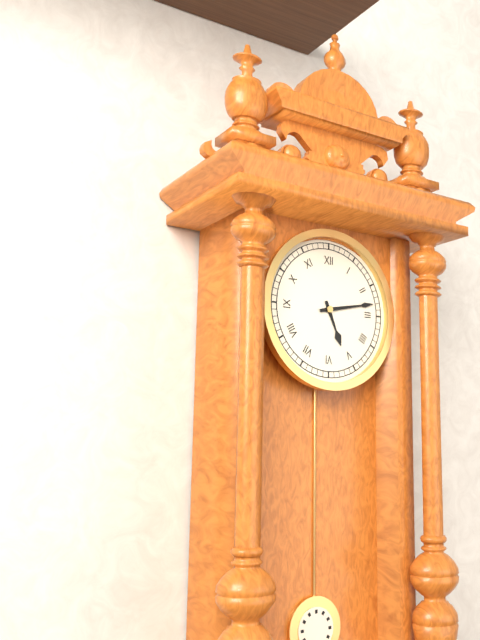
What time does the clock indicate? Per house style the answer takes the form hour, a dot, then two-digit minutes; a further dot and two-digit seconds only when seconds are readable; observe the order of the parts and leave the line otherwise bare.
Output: 5.13
